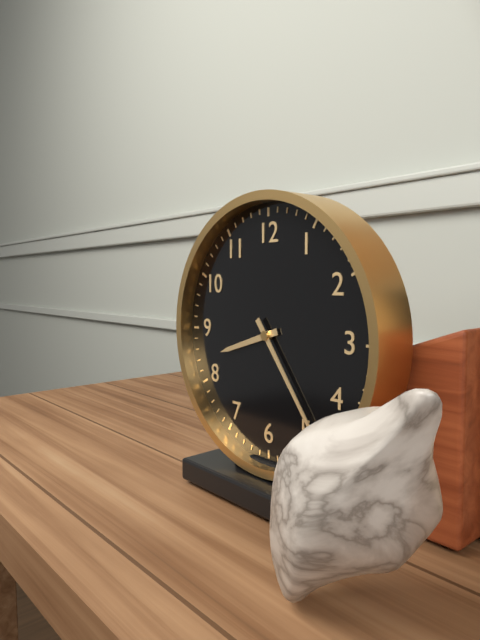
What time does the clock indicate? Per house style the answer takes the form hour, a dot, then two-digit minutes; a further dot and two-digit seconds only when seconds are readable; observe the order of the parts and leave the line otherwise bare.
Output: 8.24
